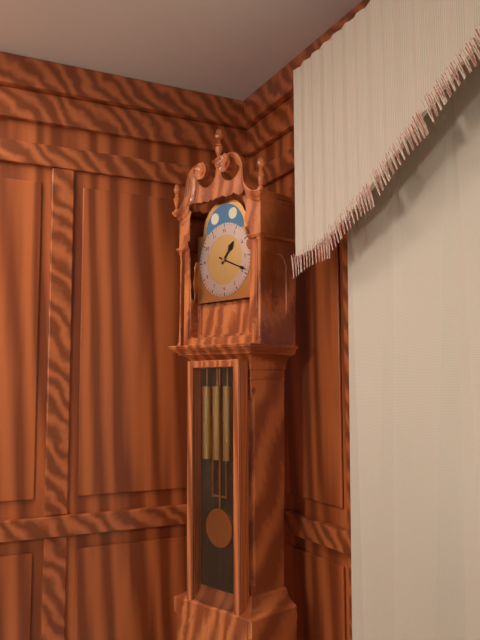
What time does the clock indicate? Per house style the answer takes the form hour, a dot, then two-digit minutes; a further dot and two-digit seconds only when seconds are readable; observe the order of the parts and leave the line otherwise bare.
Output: 1.19
